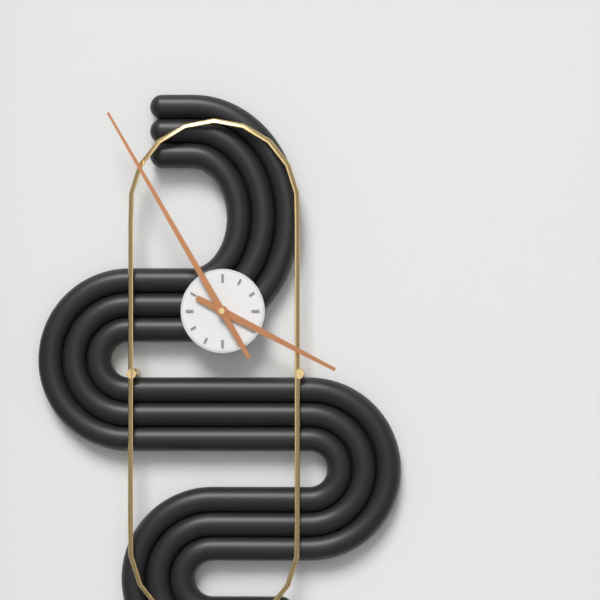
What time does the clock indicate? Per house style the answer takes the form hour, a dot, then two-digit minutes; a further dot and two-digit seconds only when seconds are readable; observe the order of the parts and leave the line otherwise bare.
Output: 3.55
